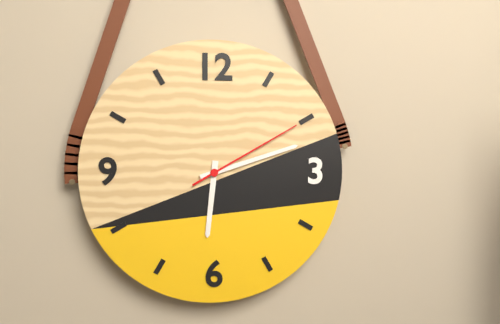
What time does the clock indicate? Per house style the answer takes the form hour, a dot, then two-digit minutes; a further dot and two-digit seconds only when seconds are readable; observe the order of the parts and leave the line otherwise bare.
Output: 6.12.10
